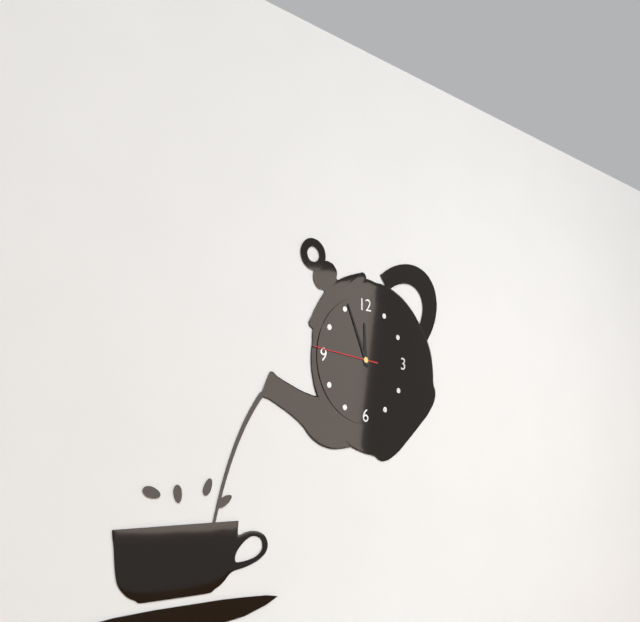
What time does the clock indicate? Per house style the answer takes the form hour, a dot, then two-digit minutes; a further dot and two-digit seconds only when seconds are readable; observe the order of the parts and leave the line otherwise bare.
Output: 11.56.46
